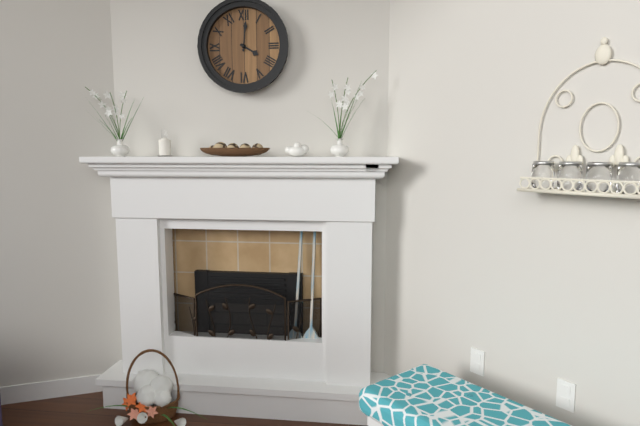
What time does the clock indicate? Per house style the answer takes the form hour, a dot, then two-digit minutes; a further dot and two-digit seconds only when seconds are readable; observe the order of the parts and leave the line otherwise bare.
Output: 4.01
